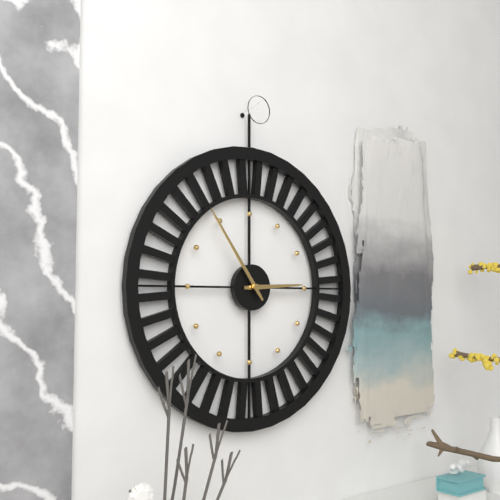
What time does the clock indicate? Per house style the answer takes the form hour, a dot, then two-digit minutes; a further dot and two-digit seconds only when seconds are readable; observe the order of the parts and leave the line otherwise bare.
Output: 2.54
